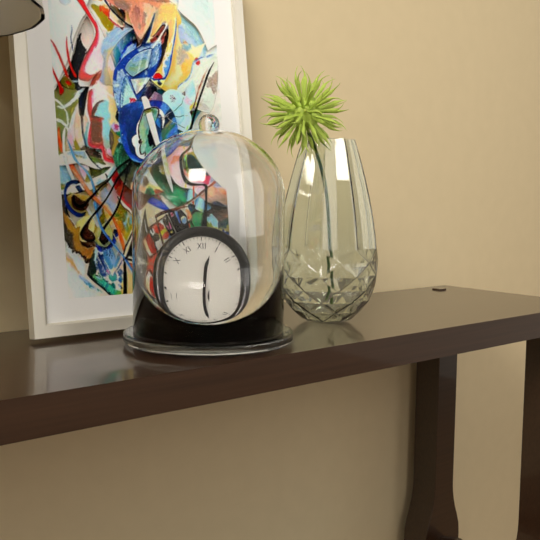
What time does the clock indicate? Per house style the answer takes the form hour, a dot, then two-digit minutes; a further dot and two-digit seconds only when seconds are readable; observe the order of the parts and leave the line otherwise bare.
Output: 12.42
